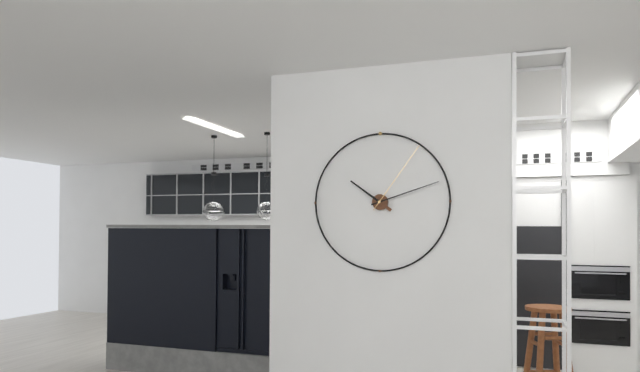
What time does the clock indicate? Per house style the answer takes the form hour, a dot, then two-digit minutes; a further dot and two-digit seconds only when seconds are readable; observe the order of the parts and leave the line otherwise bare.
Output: 10.12.06
